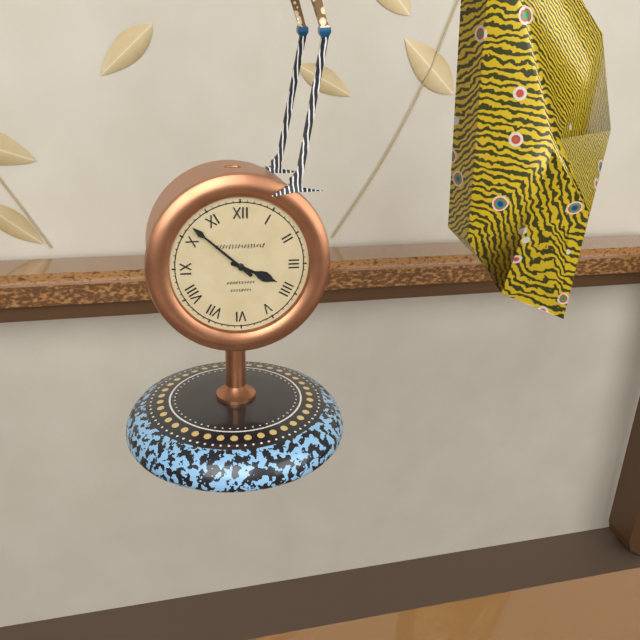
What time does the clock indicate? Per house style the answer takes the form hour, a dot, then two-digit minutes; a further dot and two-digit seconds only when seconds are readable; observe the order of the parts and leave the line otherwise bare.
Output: 3.52
